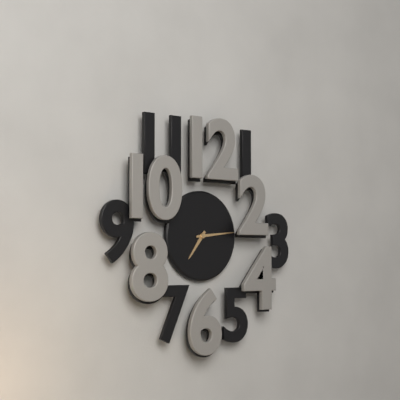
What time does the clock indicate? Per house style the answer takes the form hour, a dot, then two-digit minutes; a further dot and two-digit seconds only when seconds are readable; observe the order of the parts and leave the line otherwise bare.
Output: 7.14
